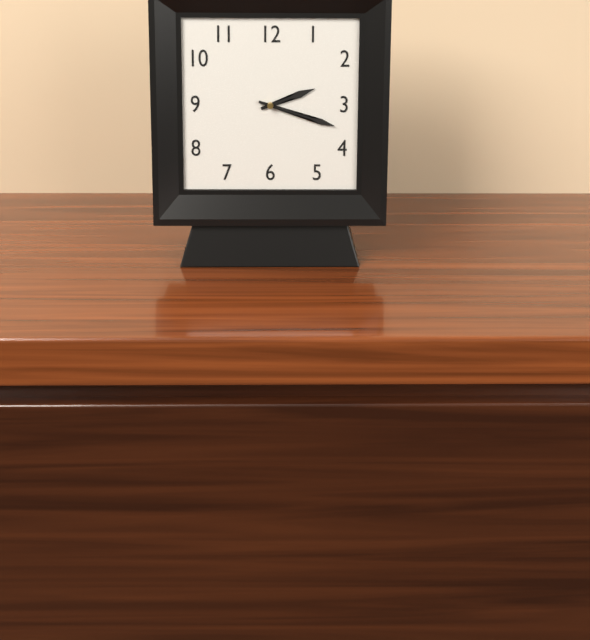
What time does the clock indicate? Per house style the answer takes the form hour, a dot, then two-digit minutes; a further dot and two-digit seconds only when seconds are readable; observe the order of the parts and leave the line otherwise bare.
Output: 2.18
